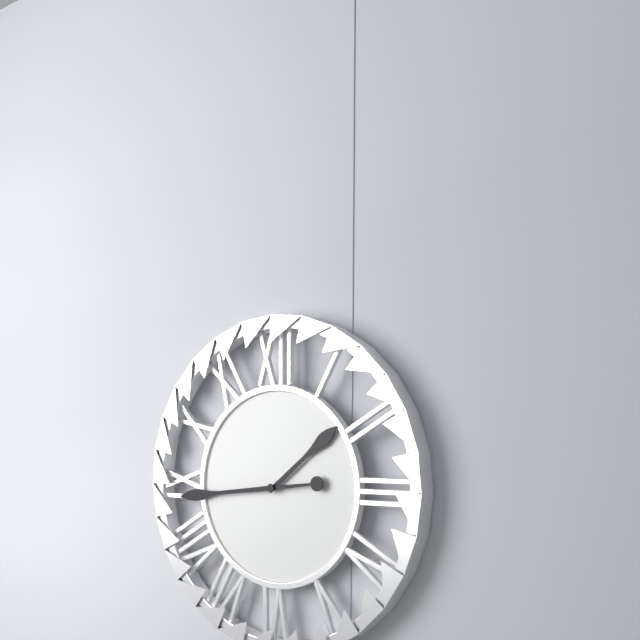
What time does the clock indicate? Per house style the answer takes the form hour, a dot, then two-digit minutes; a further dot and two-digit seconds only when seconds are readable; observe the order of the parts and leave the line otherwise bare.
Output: 1.44
